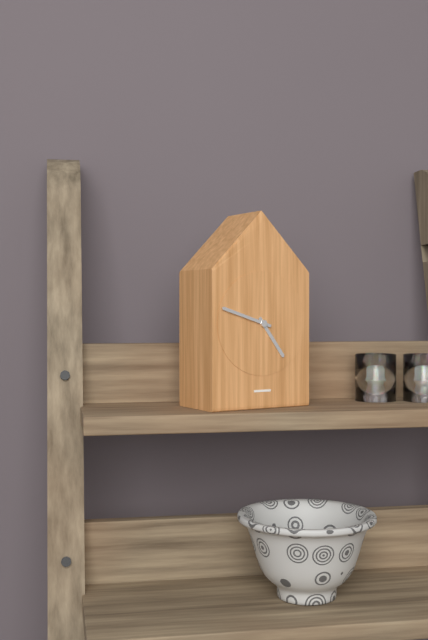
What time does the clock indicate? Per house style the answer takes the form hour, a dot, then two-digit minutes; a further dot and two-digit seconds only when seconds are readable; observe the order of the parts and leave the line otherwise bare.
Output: 4.48
